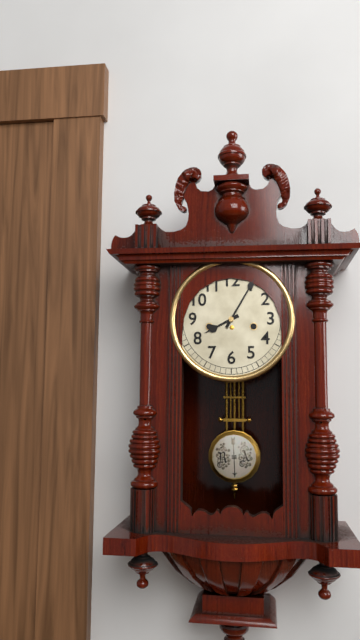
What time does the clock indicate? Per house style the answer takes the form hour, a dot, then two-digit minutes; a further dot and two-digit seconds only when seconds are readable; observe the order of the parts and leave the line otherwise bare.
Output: 8.05
